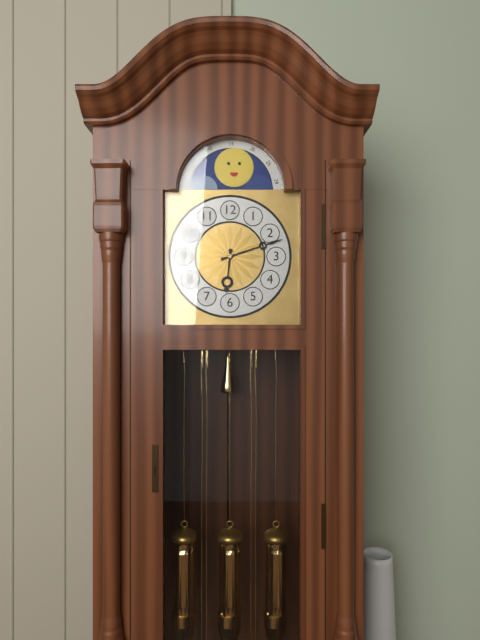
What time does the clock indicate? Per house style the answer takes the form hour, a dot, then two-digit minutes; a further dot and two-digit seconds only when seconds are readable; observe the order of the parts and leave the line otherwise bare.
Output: 6.12
